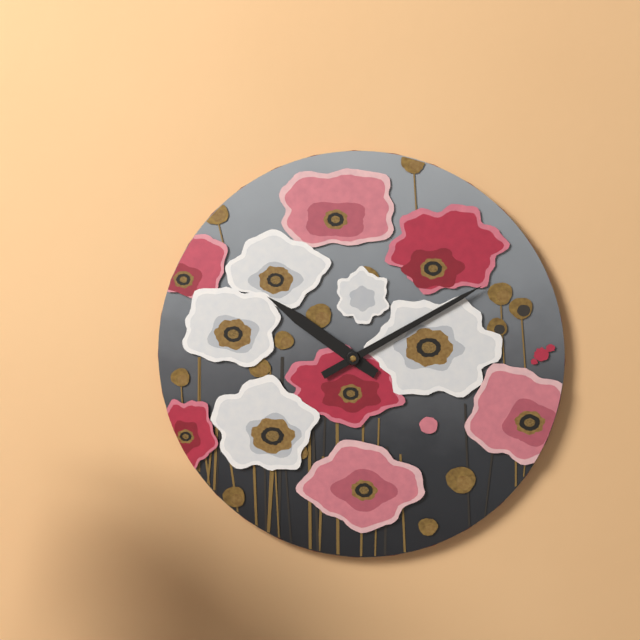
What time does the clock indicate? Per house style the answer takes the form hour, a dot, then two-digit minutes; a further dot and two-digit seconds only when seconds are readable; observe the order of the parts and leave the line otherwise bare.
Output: 10.10
